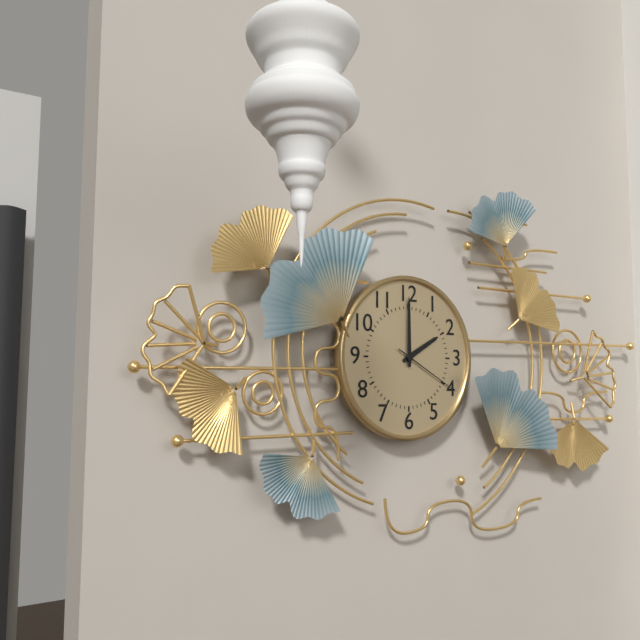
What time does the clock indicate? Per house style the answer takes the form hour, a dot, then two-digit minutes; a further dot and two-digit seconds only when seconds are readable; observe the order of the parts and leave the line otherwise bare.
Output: 2.00.20
